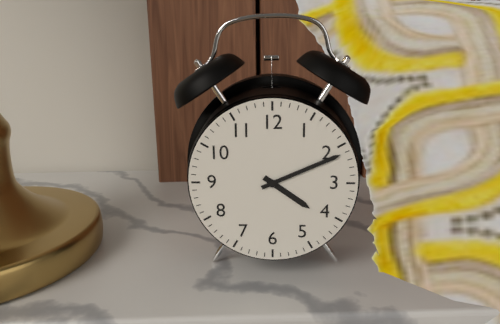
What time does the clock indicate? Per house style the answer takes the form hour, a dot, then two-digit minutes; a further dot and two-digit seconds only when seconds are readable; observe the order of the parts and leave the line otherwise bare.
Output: 4.11
